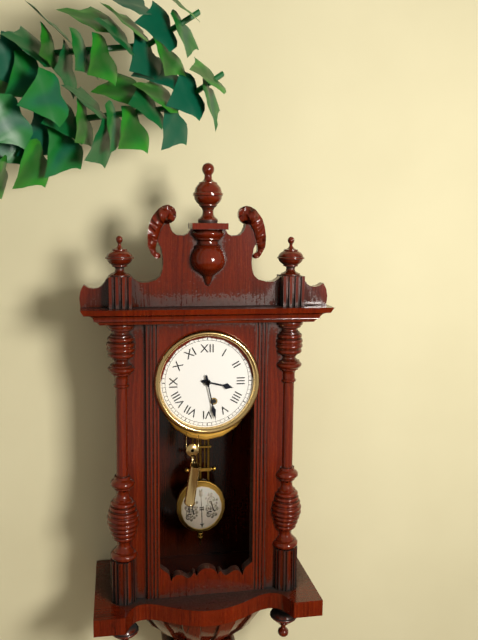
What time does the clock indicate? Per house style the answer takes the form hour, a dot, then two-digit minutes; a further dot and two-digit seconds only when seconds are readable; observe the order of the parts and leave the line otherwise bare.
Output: 3.28
